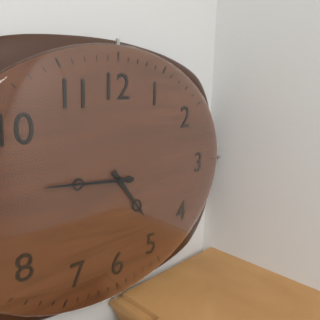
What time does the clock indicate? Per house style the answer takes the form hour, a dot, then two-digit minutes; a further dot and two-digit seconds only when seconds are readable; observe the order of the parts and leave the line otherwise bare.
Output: 4.46
